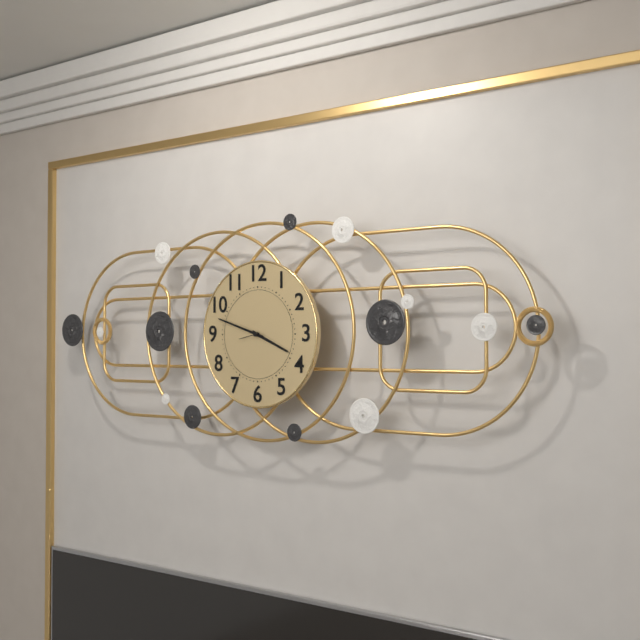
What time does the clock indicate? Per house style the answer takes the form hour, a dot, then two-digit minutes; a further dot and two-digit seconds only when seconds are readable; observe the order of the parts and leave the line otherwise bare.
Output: 3.48
